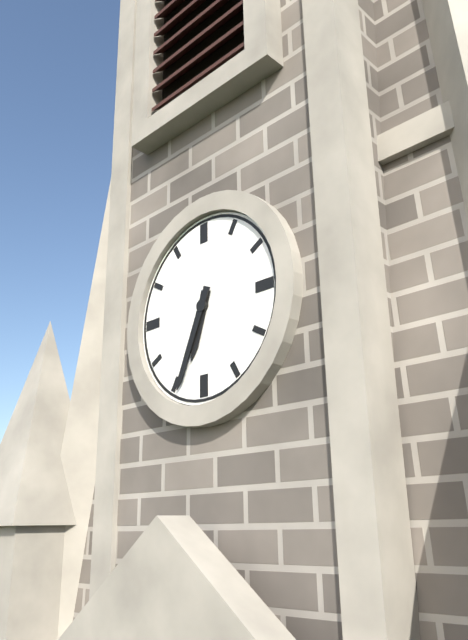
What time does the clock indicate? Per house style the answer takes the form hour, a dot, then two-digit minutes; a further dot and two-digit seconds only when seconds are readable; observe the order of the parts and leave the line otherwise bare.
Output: 6.34
